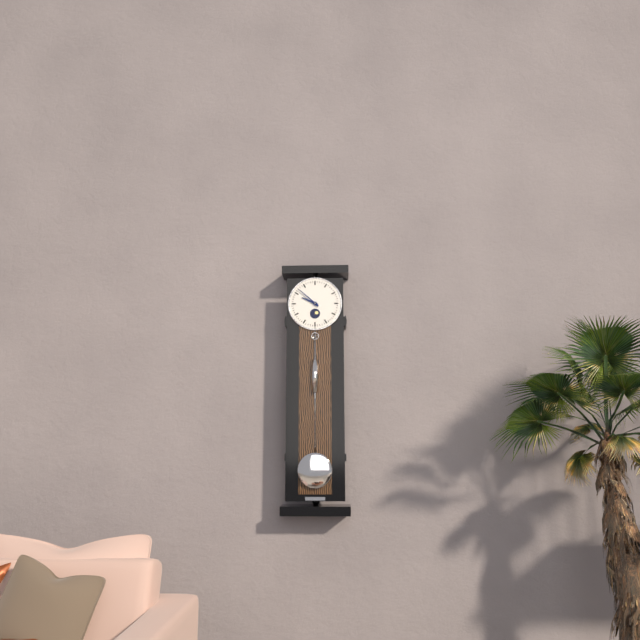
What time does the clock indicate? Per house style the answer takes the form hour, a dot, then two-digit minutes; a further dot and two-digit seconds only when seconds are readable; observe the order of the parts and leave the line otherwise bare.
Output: 9.52
